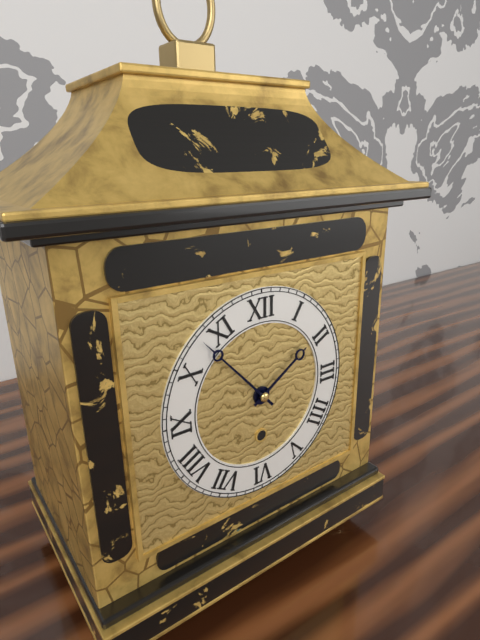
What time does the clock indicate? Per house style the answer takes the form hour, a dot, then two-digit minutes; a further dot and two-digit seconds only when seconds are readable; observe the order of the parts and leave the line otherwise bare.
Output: 1.53
